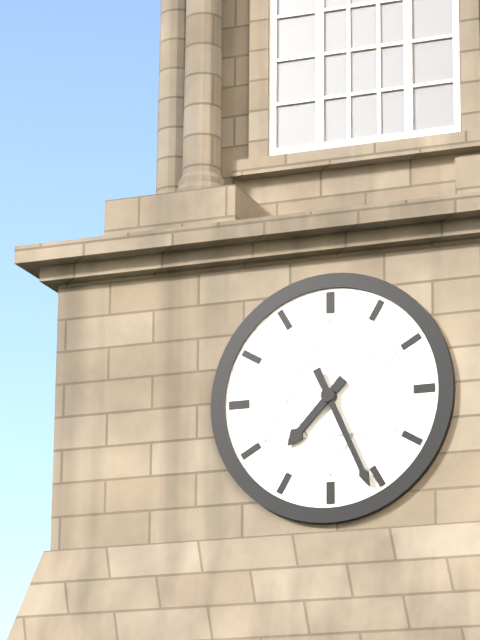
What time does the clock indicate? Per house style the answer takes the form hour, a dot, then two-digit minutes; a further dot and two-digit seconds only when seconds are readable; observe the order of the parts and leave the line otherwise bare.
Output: 7.26
